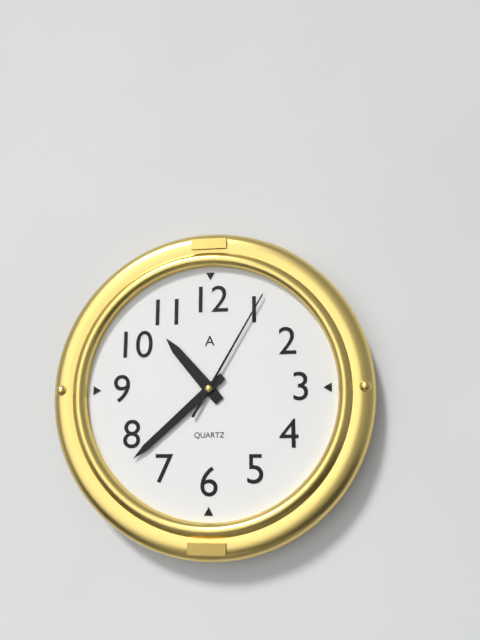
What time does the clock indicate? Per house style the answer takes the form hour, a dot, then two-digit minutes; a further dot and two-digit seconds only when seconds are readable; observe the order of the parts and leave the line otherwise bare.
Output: 10.38.05
